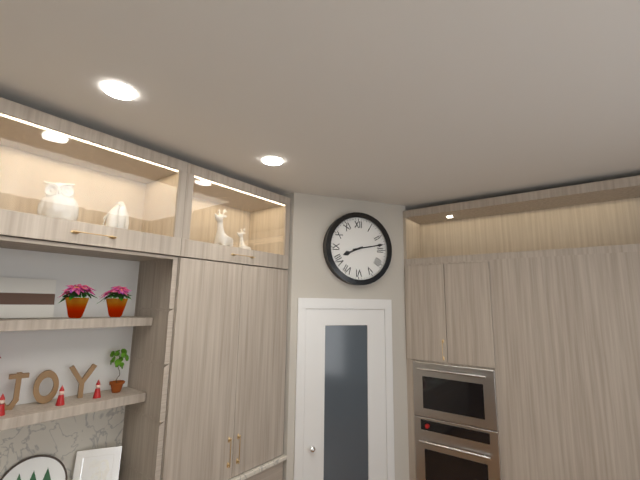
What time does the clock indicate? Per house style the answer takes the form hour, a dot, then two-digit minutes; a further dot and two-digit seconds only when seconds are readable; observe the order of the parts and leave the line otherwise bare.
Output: 8.13
